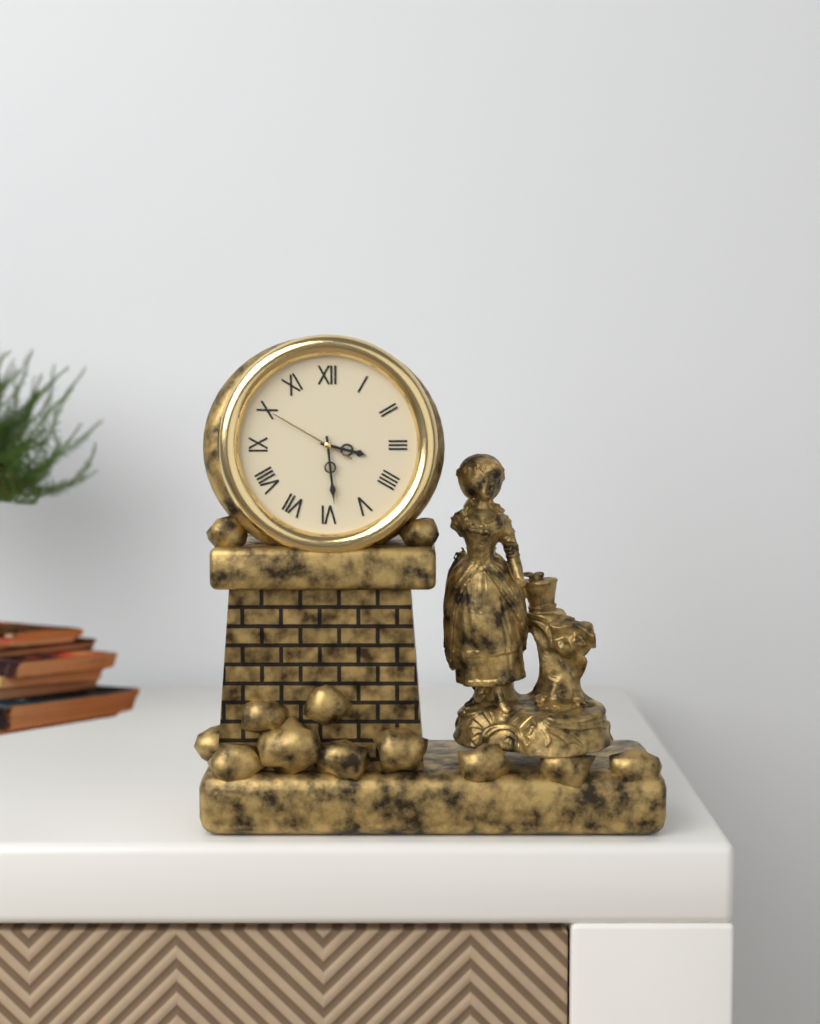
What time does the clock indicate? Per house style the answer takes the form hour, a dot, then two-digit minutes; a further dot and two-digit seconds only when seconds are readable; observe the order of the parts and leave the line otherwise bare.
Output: 3.29.50
